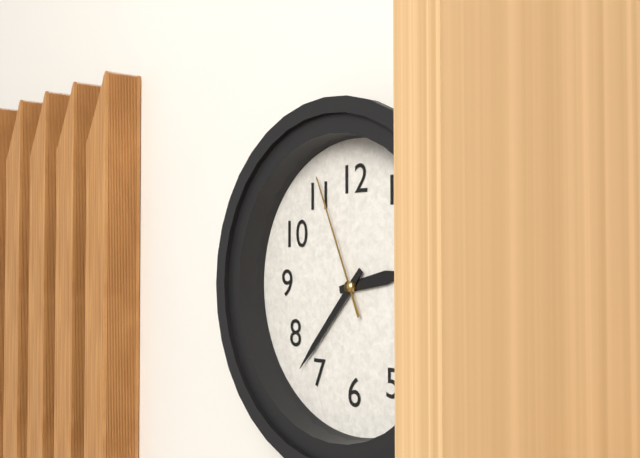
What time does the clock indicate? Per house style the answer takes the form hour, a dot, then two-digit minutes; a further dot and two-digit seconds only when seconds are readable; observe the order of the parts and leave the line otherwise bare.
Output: 2.37.56
